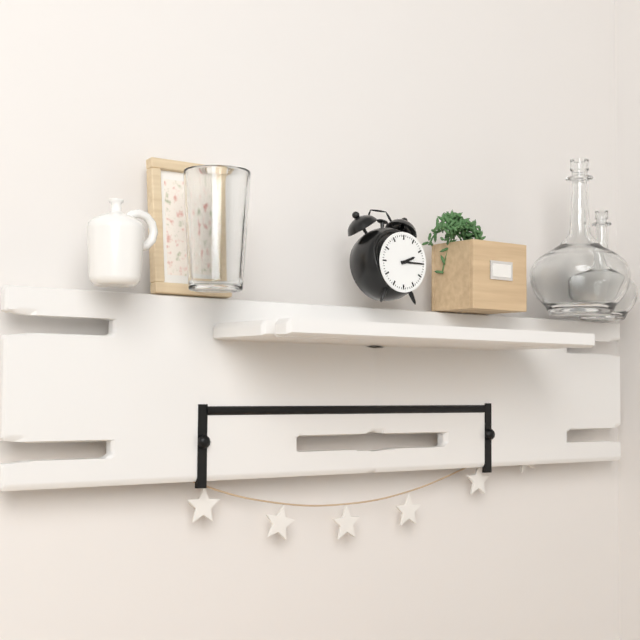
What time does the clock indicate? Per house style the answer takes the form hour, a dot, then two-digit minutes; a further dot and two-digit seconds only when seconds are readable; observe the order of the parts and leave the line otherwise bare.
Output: 2.15
